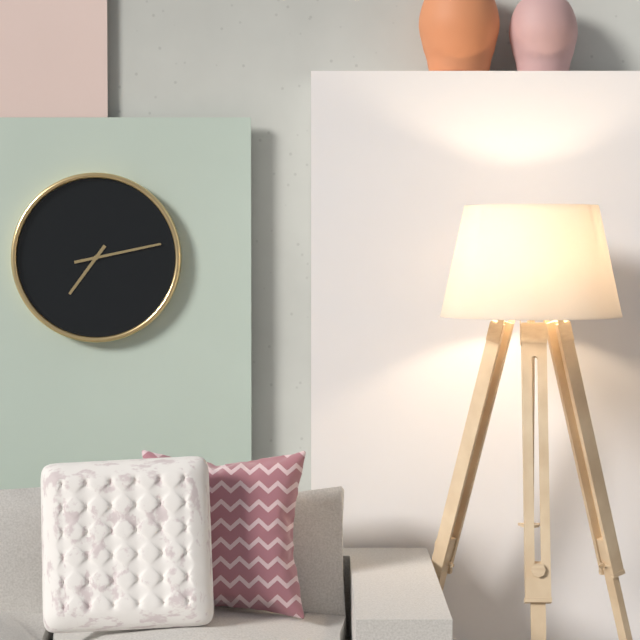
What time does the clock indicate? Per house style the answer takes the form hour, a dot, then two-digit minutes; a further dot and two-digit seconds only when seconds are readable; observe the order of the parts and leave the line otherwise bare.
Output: 7.13
